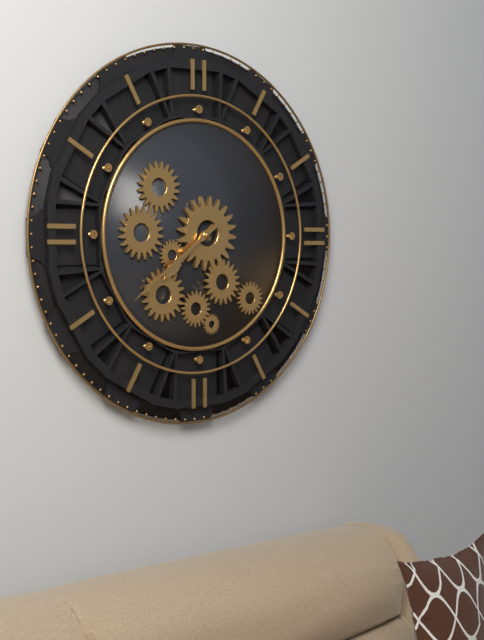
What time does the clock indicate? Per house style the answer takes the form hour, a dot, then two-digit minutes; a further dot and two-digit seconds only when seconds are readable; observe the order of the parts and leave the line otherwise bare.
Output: 7.39
